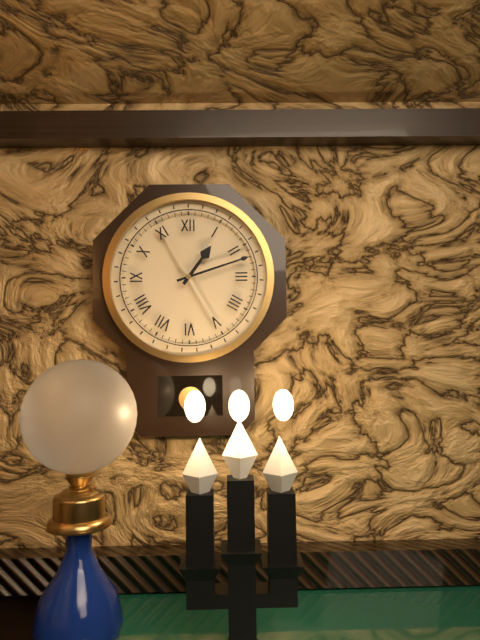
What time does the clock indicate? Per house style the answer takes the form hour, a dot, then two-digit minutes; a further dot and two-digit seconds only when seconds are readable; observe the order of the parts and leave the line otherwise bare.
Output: 1.12
